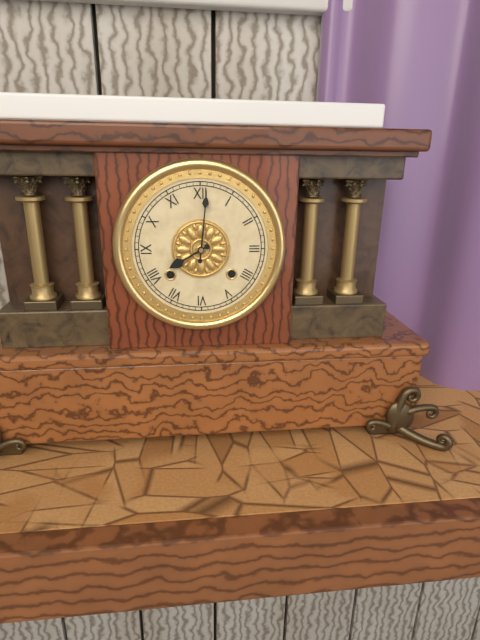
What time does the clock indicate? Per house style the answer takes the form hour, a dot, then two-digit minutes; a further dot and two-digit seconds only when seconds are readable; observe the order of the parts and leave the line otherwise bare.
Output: 8.01
